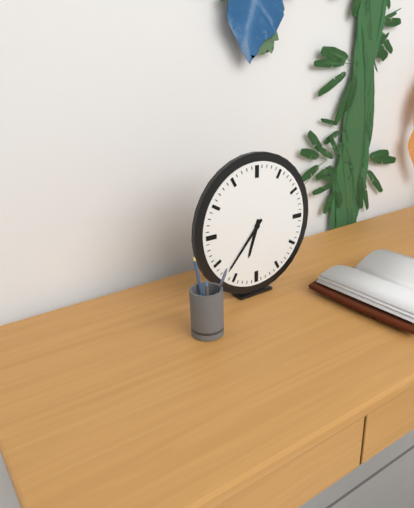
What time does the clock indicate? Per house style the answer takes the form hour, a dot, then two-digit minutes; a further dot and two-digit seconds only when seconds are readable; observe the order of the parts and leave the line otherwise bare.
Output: 6.37
